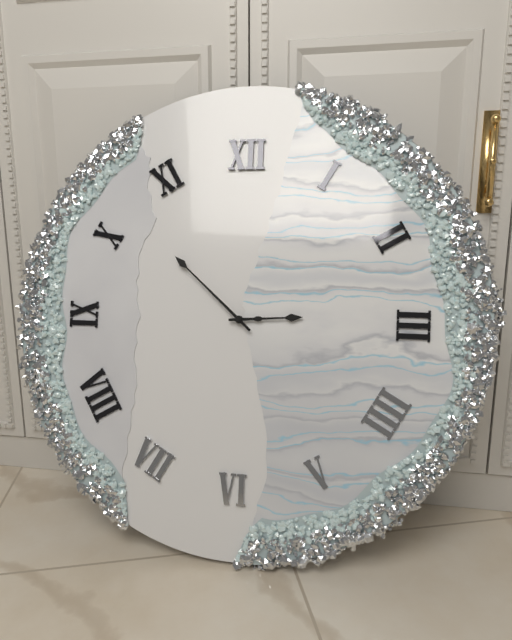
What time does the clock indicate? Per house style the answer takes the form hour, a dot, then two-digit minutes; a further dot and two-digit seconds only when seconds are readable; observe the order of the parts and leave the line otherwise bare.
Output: 2.52
